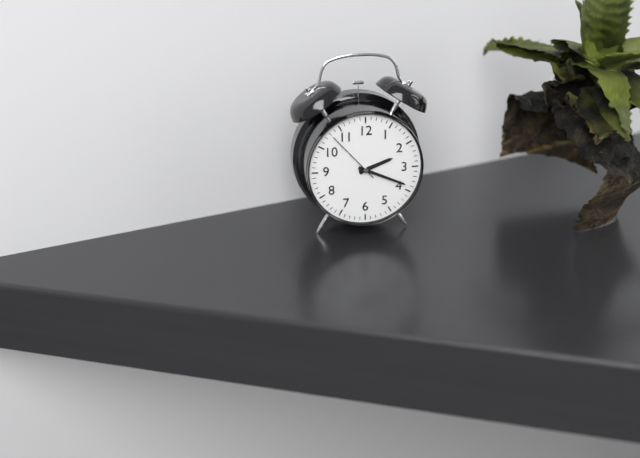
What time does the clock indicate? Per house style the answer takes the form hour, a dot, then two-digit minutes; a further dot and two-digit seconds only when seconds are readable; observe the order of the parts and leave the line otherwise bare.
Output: 2.19.53
